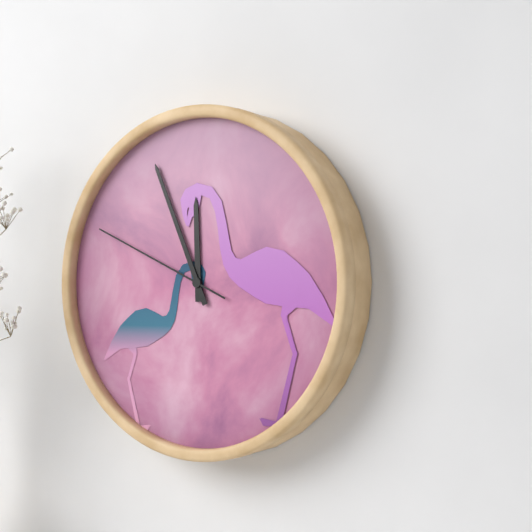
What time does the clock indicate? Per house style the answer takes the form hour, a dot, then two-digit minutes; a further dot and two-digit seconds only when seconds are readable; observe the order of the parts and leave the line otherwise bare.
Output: 11.56.49
